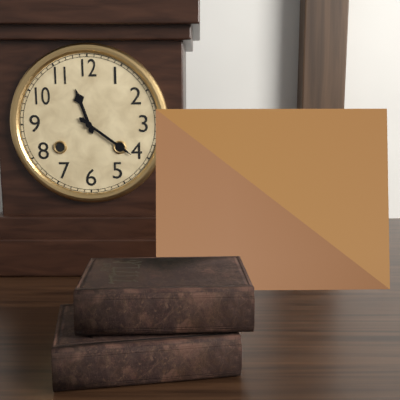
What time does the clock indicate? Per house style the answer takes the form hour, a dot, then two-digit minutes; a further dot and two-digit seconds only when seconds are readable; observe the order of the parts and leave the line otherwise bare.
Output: 11.21
